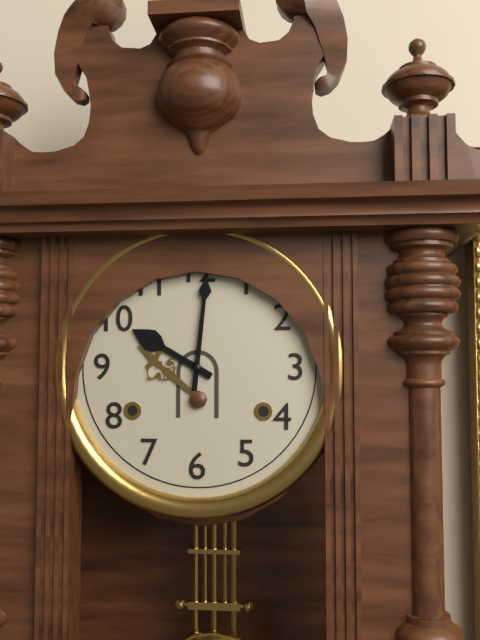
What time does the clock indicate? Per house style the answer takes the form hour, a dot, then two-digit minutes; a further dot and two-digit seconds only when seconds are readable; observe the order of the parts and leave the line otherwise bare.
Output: 10.01
